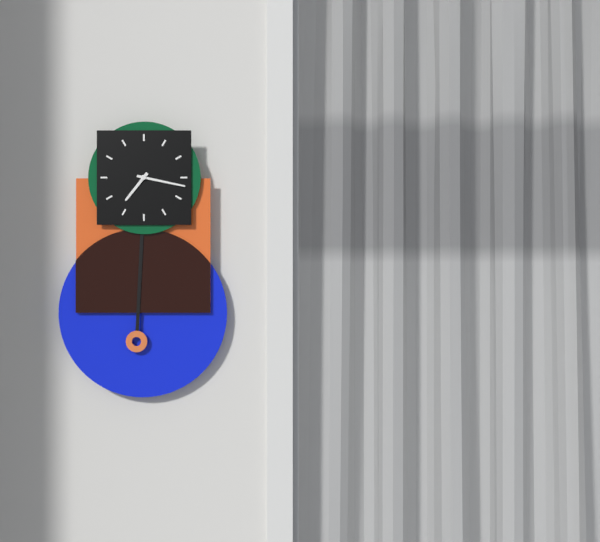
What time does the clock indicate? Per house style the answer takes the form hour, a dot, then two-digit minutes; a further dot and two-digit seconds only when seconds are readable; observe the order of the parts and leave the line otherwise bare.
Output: 7.17
